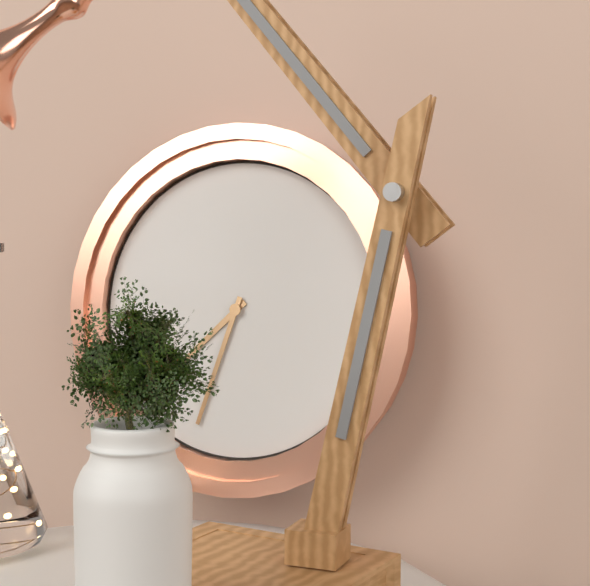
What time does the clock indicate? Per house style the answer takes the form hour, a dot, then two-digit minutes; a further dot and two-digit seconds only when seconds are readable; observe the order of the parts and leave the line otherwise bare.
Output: 7.33
